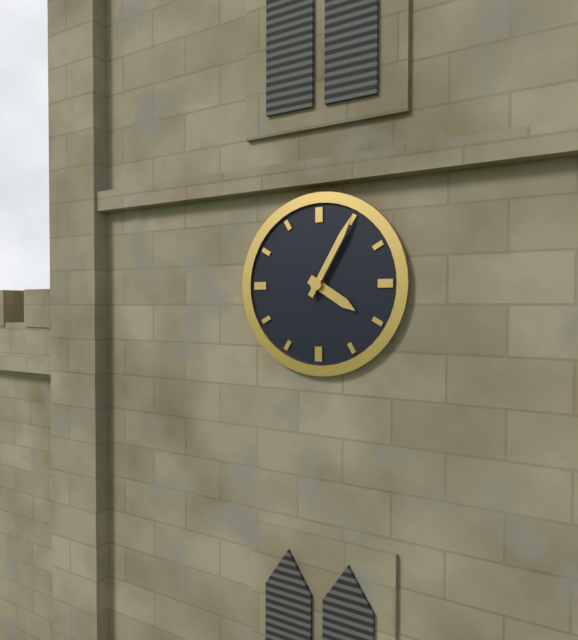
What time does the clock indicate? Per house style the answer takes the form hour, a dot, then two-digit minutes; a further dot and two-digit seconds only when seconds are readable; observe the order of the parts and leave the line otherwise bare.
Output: 4.05
